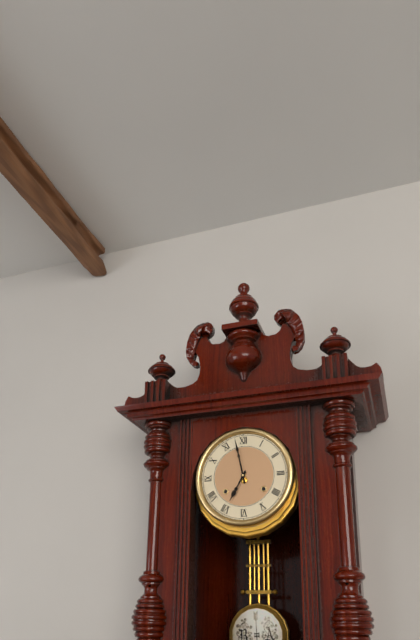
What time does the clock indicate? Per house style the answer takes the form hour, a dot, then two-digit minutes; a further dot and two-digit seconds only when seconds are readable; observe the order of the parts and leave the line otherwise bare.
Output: 6.58
